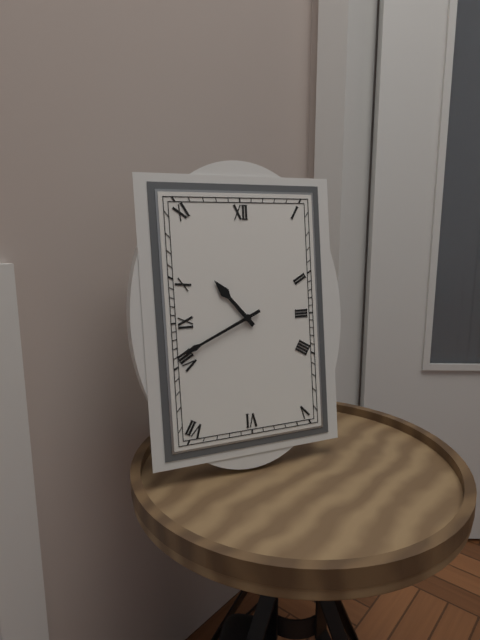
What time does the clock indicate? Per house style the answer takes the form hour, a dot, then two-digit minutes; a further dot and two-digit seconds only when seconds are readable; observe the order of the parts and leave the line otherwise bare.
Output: 10.41
